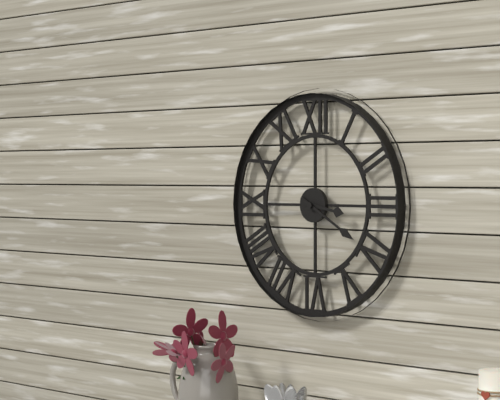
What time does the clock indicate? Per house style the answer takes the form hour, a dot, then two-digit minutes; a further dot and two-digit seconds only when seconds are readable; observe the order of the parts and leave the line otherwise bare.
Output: 3.20
